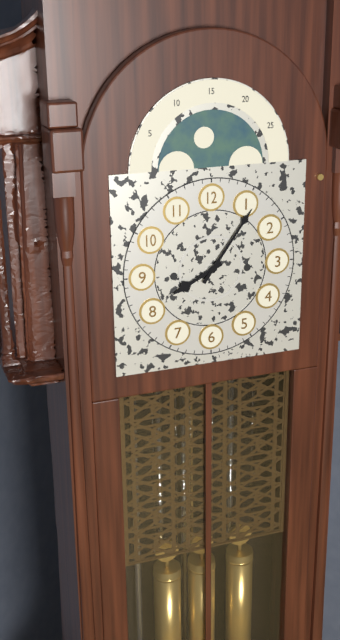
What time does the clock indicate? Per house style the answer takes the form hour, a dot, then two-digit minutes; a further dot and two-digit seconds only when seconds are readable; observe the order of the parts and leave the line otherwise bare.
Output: 8.06
